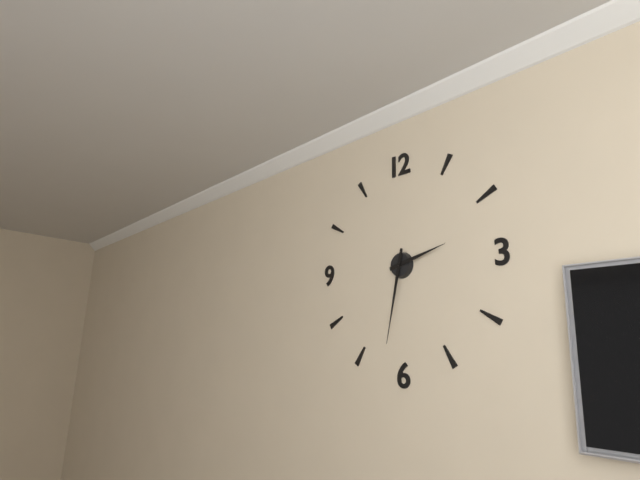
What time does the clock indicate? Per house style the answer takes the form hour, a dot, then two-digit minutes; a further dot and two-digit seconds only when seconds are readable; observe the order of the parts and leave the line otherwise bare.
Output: 2.32
